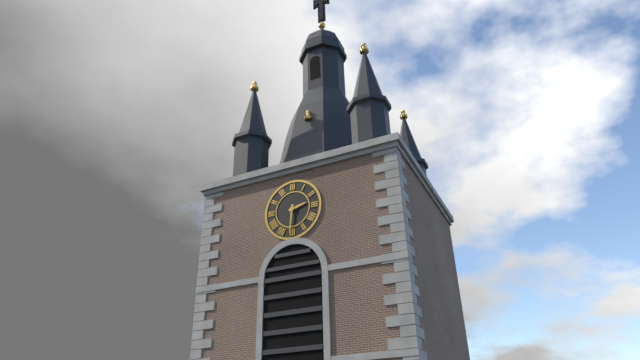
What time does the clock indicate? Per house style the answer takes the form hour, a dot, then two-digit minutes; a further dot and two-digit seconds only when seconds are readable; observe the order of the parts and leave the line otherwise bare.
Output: 2.31
